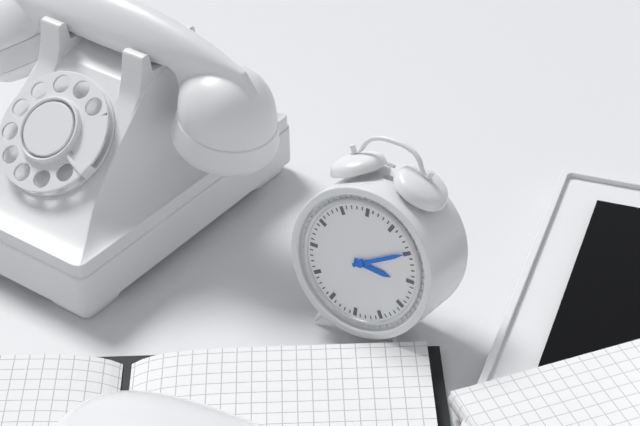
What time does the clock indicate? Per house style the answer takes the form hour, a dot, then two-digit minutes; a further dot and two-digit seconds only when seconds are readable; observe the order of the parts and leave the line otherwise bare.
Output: 3.10
